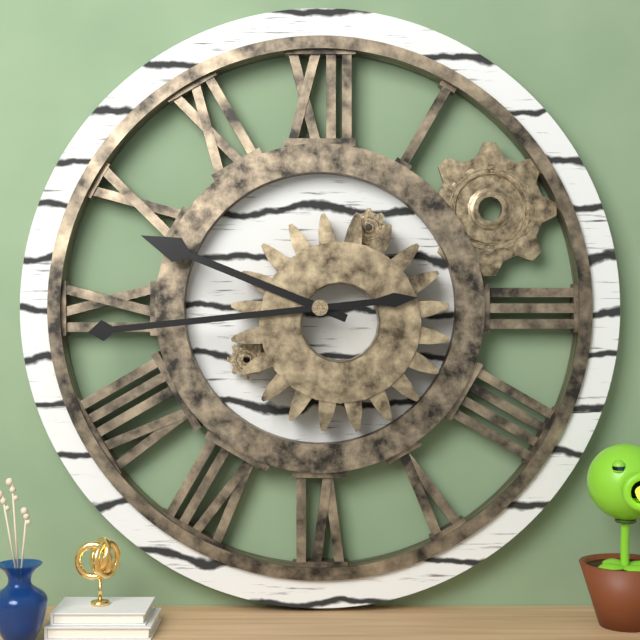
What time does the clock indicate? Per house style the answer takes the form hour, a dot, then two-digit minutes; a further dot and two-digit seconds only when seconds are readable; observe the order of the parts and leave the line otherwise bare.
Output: 9.44
